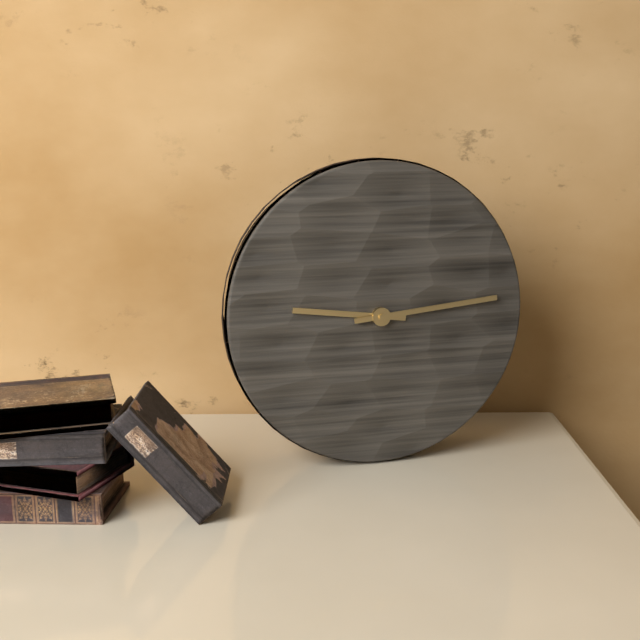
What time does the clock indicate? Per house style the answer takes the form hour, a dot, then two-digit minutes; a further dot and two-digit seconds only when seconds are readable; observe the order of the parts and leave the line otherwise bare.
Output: 9.14
